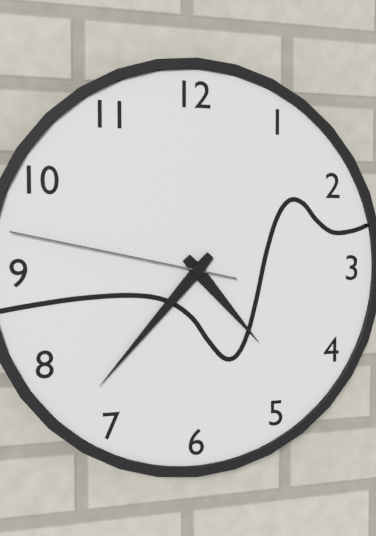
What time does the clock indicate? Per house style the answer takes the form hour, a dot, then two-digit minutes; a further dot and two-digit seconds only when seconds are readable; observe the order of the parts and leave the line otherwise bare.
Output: 4.37.47
